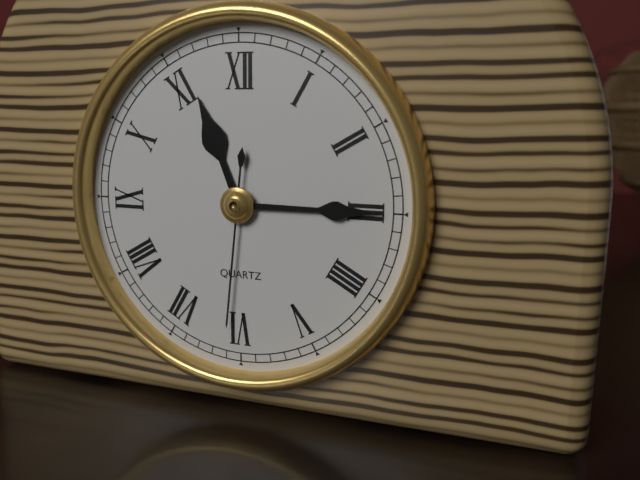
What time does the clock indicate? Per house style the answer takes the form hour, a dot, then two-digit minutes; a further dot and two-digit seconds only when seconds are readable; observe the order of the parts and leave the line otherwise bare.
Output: 11.15.31
